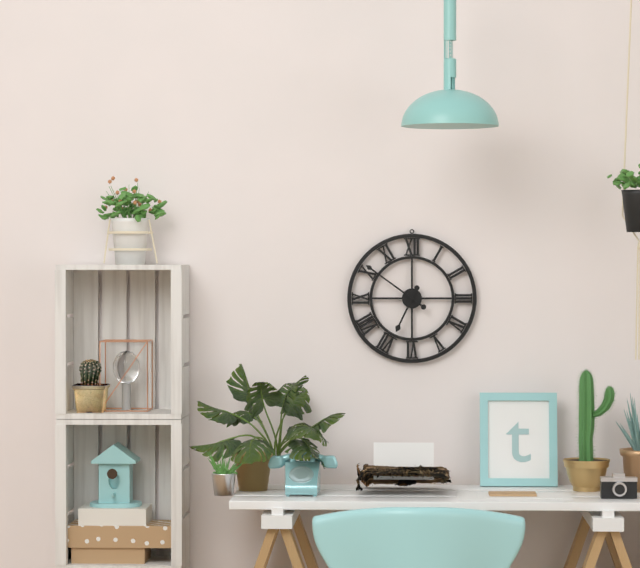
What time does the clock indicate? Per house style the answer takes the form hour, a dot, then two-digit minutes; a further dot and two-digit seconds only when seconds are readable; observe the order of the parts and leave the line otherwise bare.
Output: 6.51
